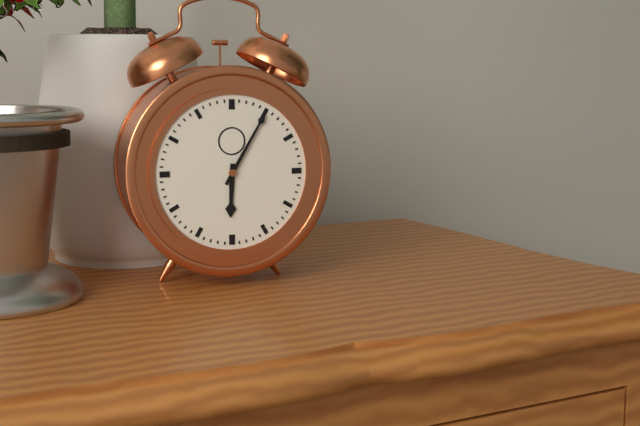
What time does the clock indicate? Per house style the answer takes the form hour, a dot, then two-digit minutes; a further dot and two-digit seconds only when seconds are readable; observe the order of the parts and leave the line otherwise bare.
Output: 6.05
